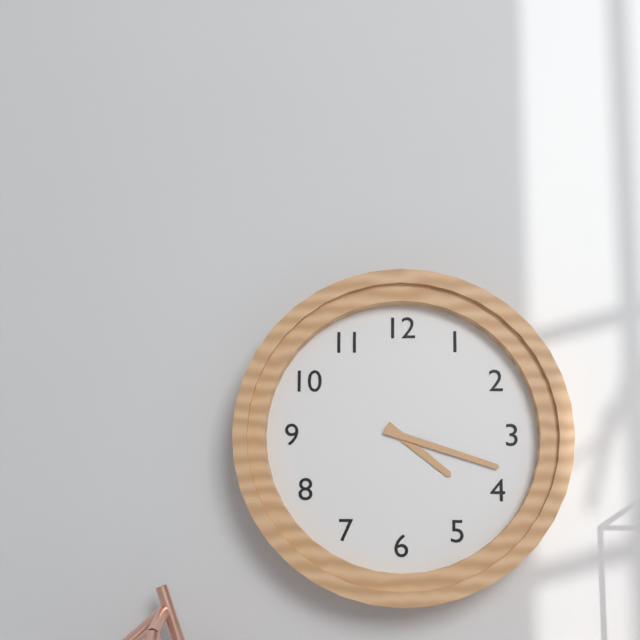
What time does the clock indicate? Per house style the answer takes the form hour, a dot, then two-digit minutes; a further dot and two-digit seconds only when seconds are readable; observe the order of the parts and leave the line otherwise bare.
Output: 4.18
